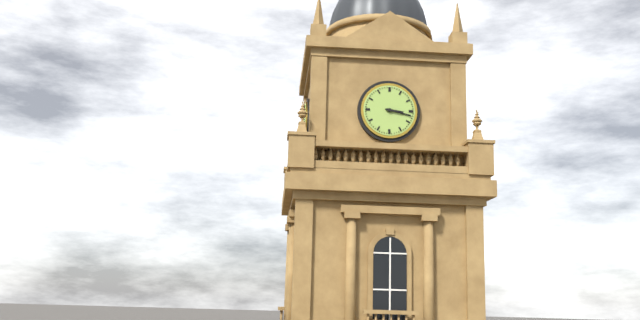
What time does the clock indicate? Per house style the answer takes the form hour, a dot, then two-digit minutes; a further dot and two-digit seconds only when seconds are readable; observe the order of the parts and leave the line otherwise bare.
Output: 3.17
